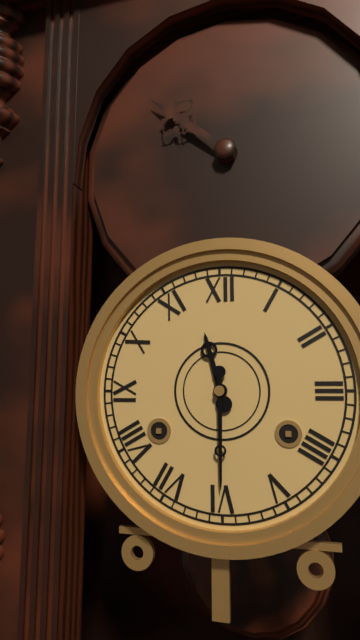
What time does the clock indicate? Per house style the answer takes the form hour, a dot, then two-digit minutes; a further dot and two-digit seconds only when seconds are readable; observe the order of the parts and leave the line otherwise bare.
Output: 11.30
